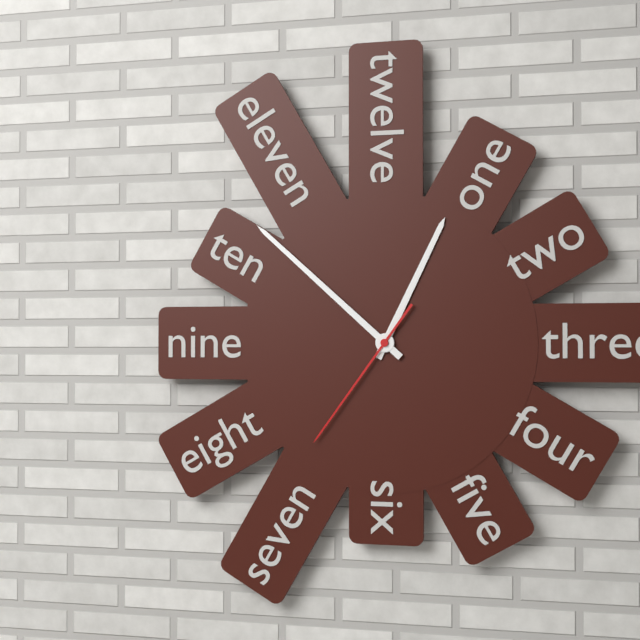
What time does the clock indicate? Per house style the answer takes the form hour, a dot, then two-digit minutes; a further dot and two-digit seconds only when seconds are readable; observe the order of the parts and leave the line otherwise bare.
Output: 12.52.36
